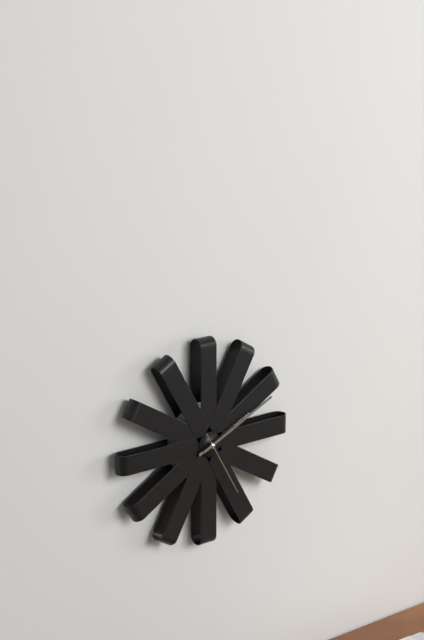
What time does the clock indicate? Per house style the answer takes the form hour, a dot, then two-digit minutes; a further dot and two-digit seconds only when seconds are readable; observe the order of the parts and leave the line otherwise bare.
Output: 2.11.25
